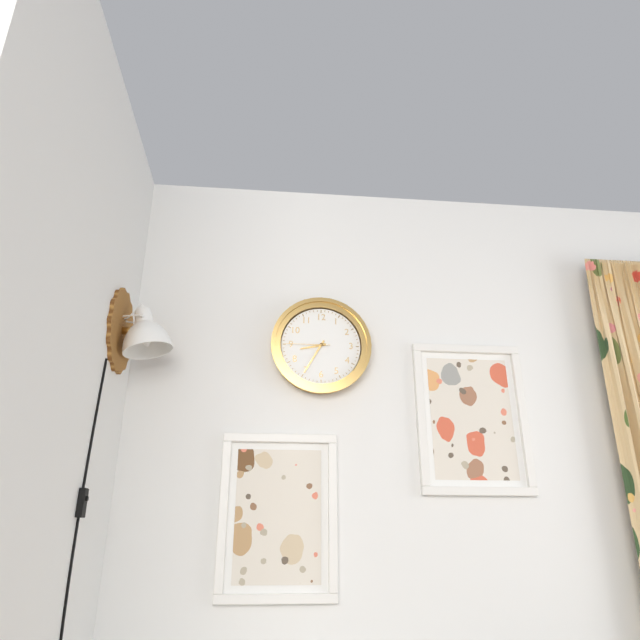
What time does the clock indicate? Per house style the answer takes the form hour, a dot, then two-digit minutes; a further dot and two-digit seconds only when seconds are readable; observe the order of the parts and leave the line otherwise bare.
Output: 8.35
